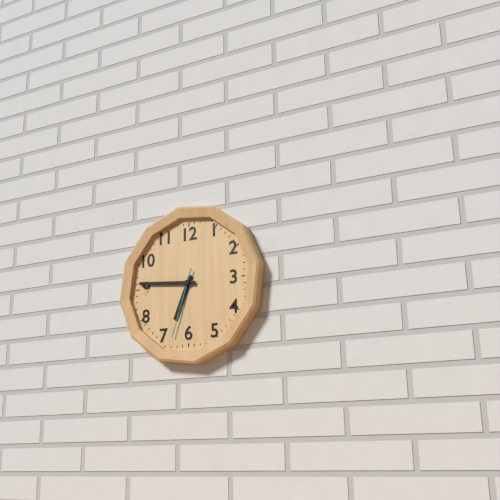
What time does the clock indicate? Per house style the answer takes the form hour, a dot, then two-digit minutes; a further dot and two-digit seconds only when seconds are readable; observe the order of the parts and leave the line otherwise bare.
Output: 6.46.33
